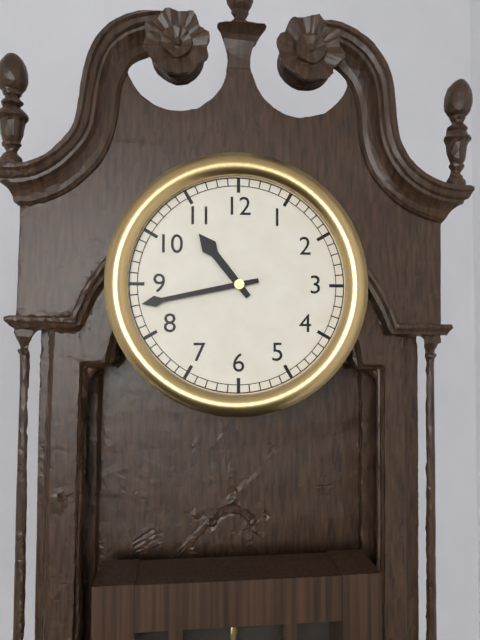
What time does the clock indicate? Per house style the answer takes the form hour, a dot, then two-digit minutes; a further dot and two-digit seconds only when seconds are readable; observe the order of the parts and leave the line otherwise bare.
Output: 10.43
